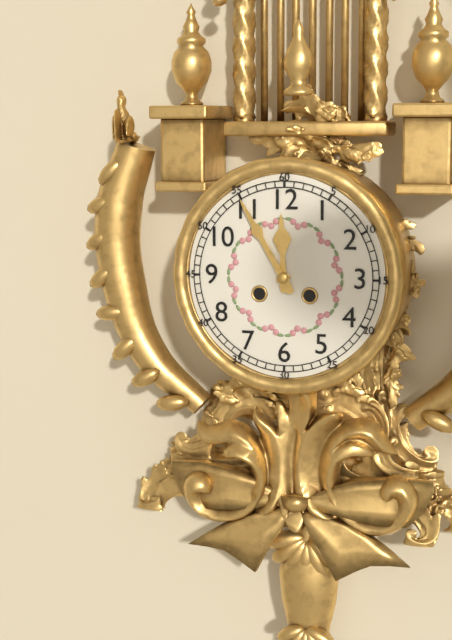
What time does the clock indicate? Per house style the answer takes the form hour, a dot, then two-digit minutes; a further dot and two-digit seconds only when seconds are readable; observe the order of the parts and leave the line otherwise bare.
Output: 11.55
